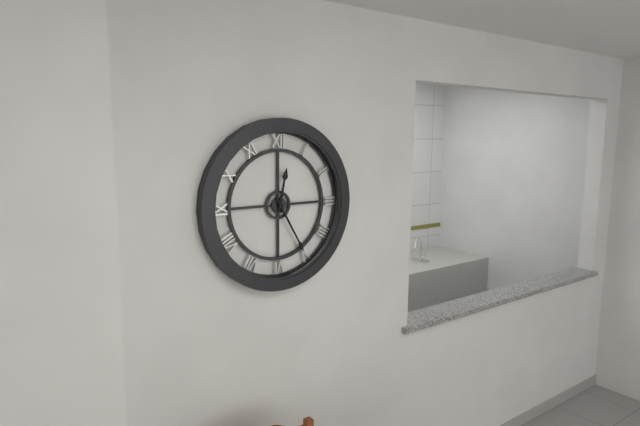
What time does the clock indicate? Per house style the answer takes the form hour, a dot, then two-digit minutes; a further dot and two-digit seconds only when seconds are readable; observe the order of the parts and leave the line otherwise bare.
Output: 12.25
